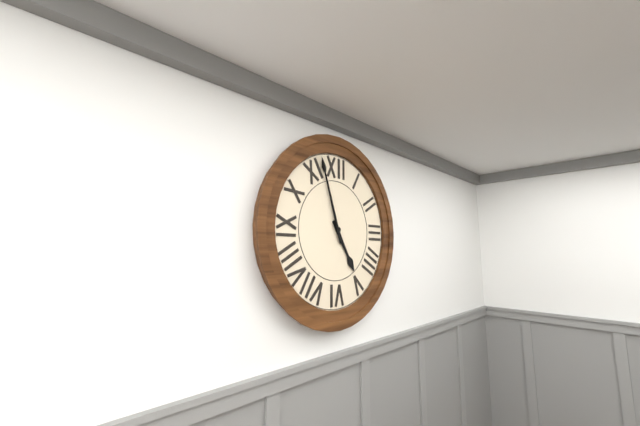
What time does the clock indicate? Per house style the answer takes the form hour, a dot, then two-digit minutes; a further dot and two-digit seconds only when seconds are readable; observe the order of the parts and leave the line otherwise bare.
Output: 4.57
